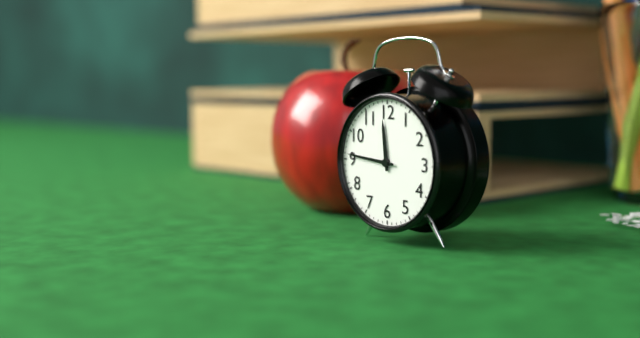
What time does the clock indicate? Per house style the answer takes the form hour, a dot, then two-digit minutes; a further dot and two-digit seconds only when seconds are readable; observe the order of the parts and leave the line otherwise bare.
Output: 11.46
